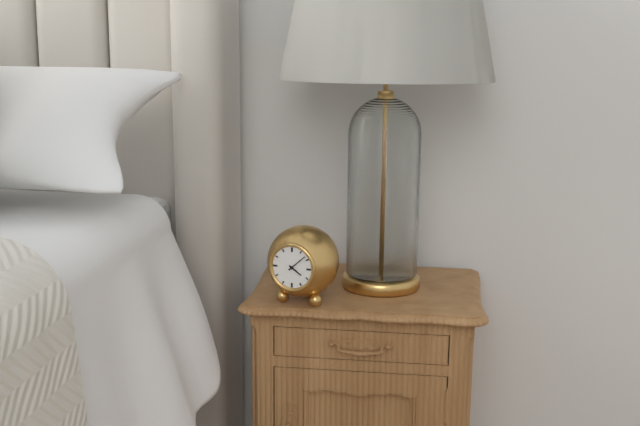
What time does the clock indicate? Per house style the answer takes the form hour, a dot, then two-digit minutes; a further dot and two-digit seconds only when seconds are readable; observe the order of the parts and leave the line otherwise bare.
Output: 4.08
